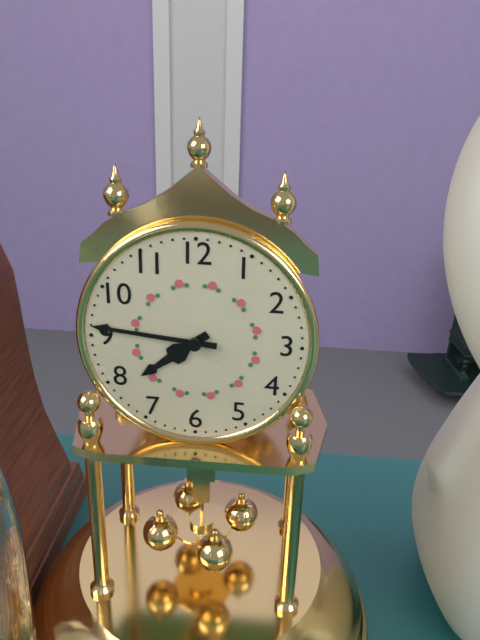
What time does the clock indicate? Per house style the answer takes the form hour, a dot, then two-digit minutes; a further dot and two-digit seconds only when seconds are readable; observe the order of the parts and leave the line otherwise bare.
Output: 7.46
